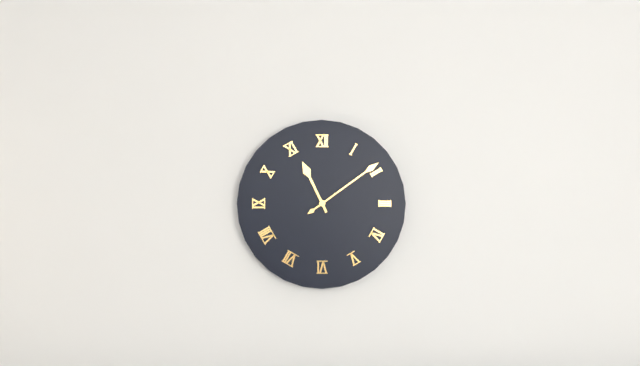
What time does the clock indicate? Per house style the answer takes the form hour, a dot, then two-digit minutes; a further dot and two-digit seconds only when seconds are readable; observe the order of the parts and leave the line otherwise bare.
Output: 11.09
